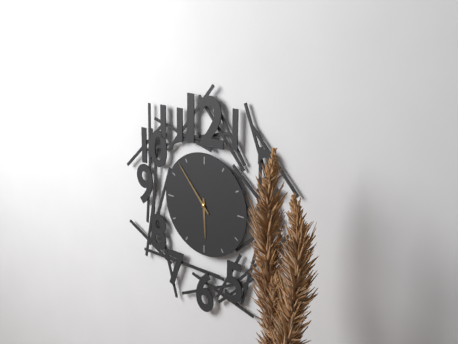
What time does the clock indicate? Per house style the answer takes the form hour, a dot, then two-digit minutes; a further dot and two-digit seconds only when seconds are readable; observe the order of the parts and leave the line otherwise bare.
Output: 5.53
